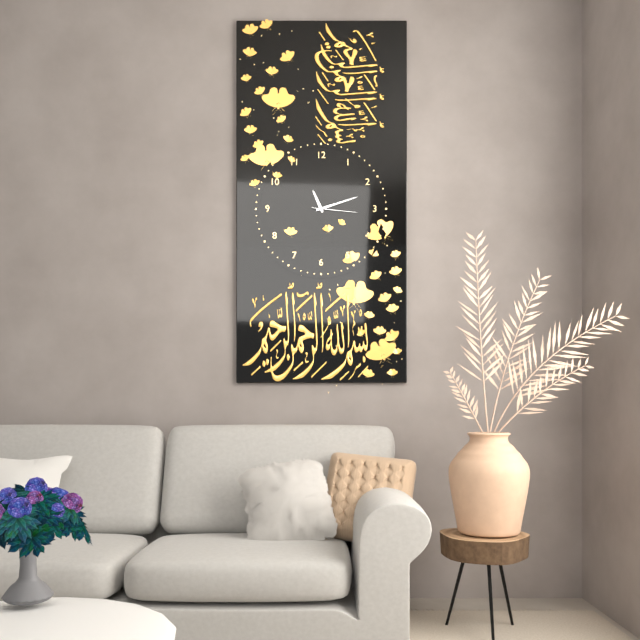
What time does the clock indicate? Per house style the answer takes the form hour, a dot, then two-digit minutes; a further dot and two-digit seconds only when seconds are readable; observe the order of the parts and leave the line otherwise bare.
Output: 11.12
